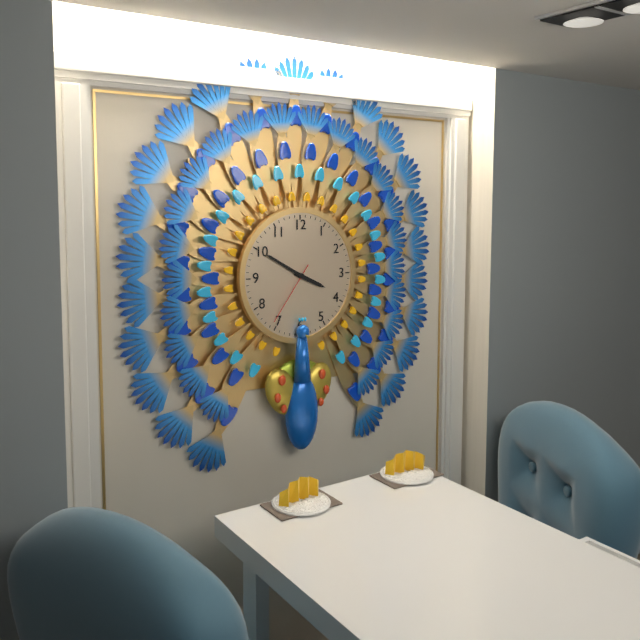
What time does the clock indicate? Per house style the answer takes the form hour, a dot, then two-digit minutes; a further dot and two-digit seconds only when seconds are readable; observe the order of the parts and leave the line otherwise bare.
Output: 3.50.36
